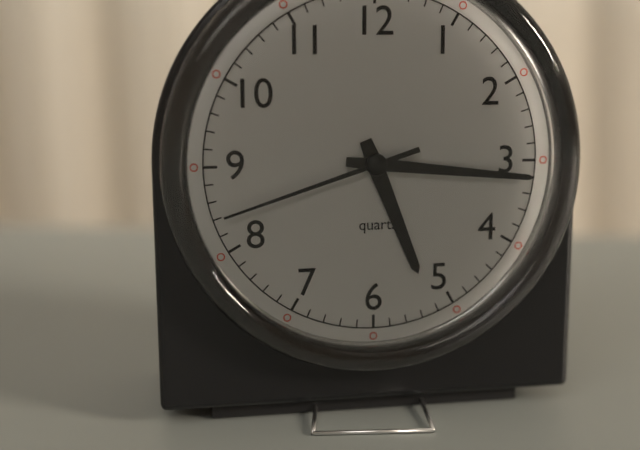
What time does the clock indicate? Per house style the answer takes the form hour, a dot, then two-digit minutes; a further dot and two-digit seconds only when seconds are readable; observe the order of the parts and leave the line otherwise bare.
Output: 5.16.42
